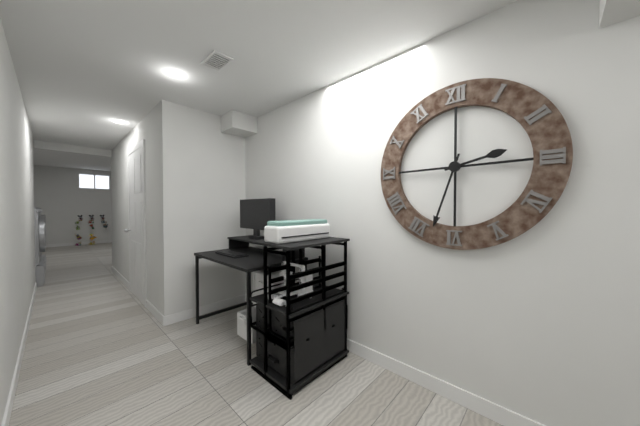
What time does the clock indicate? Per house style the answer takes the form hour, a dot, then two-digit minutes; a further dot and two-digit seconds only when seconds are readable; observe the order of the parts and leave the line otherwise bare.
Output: 2.33
